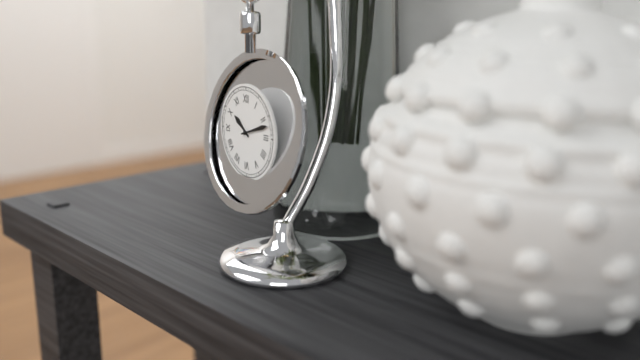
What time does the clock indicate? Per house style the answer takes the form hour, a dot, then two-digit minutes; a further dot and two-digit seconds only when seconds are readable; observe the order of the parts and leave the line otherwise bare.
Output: 10.12
